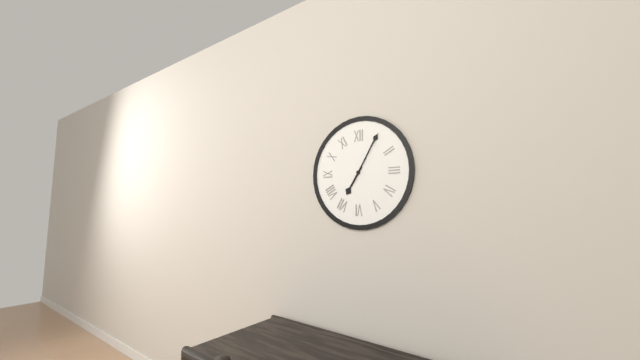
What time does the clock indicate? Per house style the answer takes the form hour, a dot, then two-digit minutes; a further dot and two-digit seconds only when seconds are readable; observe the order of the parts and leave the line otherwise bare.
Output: 7.05
